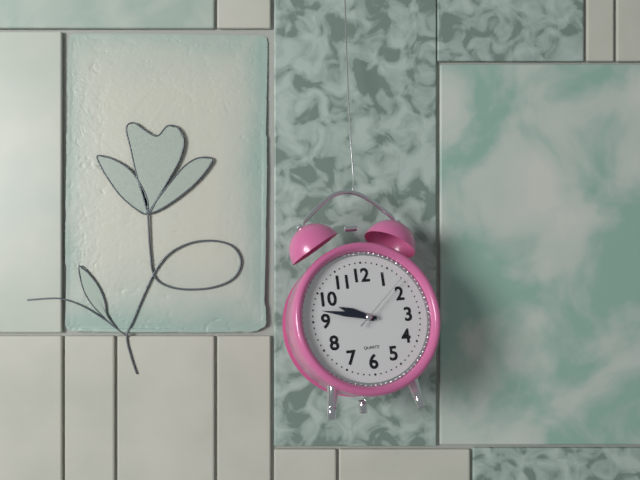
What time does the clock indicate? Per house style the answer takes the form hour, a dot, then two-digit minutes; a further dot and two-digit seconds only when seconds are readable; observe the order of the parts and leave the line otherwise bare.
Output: 9.47.08
